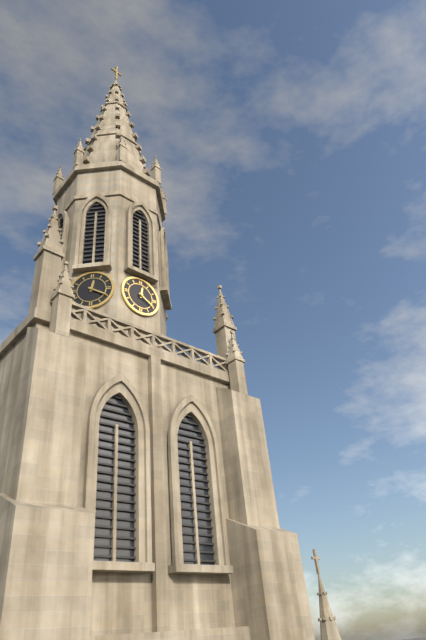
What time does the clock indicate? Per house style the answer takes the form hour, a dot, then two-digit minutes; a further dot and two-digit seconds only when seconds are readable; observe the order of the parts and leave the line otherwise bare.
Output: 12.20
